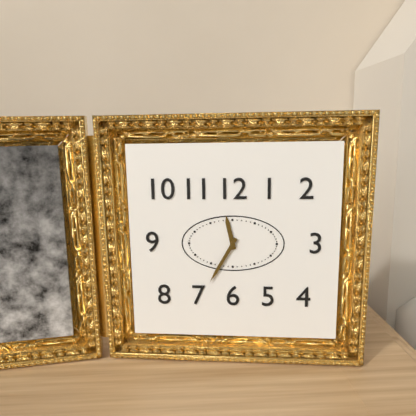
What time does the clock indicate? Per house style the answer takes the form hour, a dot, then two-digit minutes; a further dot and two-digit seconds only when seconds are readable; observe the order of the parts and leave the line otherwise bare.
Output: 11.35
